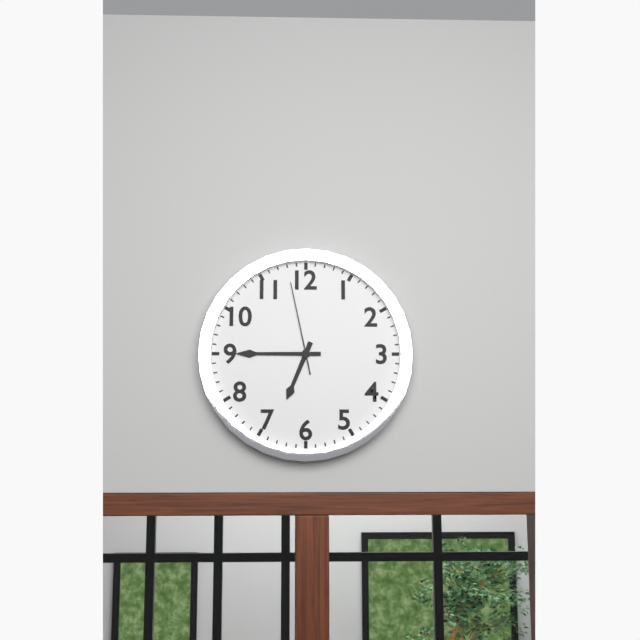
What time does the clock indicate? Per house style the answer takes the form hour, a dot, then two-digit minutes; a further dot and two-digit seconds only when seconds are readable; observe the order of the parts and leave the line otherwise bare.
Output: 6.45.58
